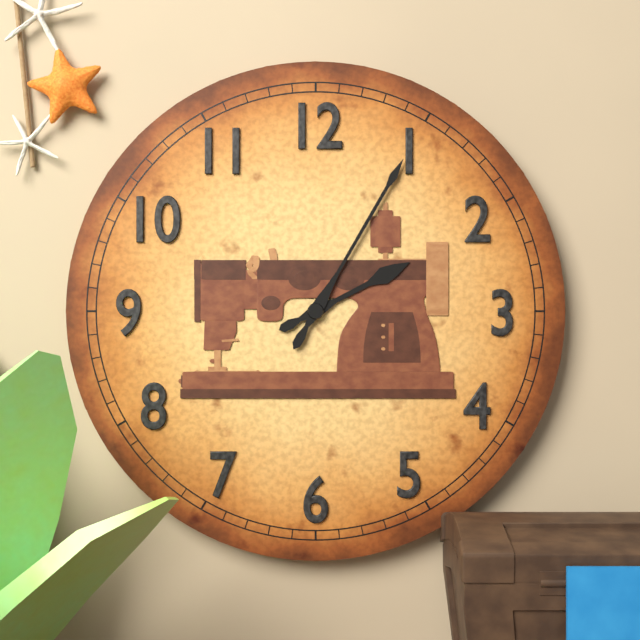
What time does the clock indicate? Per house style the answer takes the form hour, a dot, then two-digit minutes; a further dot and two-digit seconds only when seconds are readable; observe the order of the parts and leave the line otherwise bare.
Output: 2.05
